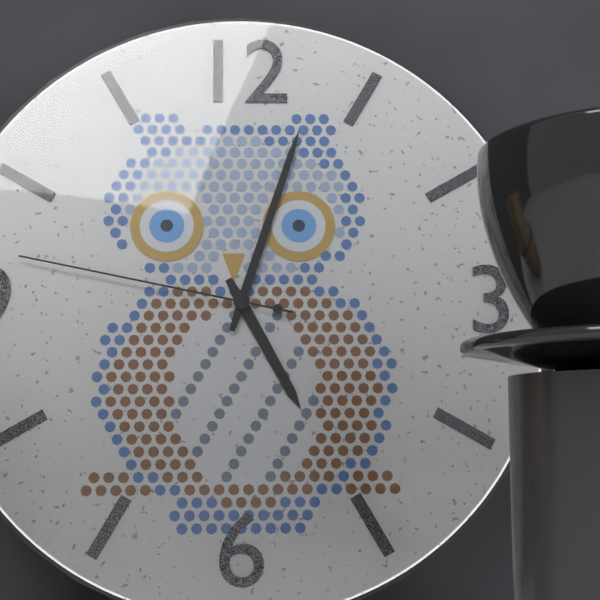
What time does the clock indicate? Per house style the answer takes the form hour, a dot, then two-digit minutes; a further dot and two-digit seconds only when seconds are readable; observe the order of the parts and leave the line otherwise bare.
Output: 5.03.47
